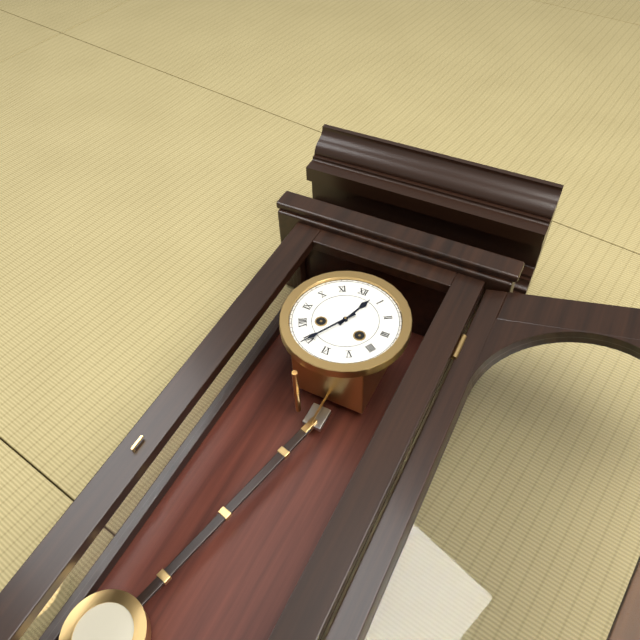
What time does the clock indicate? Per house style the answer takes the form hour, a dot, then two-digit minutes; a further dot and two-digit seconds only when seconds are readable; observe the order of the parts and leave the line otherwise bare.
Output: 12.35
